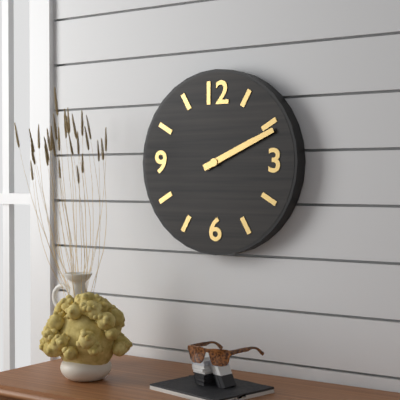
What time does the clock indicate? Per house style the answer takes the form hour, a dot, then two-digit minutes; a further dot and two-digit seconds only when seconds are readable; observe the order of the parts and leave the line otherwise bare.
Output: 2.11
